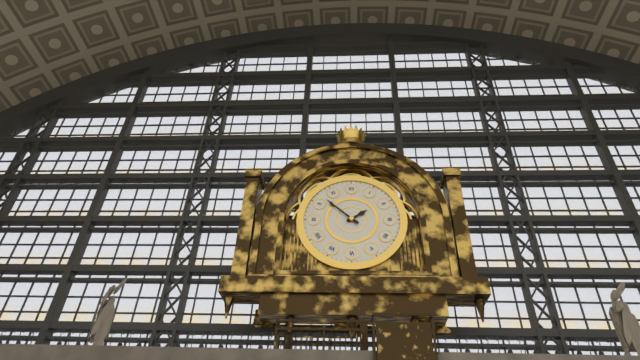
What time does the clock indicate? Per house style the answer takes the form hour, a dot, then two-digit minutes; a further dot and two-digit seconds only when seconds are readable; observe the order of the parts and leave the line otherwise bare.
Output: 1.52
